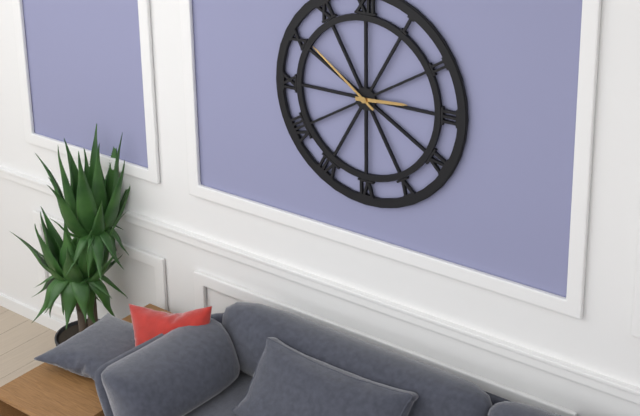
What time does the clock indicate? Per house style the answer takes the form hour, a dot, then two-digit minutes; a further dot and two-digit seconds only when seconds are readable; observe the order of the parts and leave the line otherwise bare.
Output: 2.51
